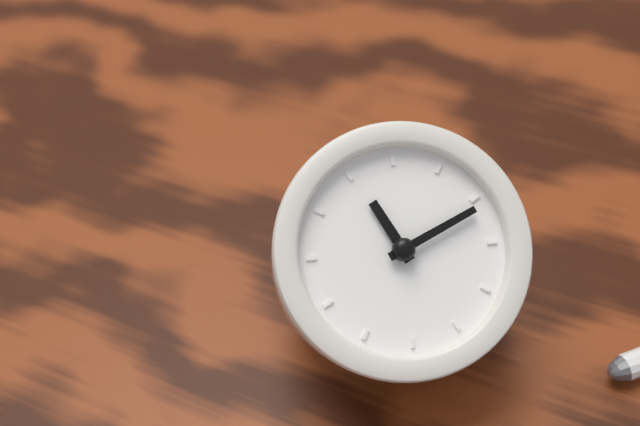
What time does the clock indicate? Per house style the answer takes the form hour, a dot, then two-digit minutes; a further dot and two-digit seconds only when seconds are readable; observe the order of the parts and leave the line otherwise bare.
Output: 10.06
